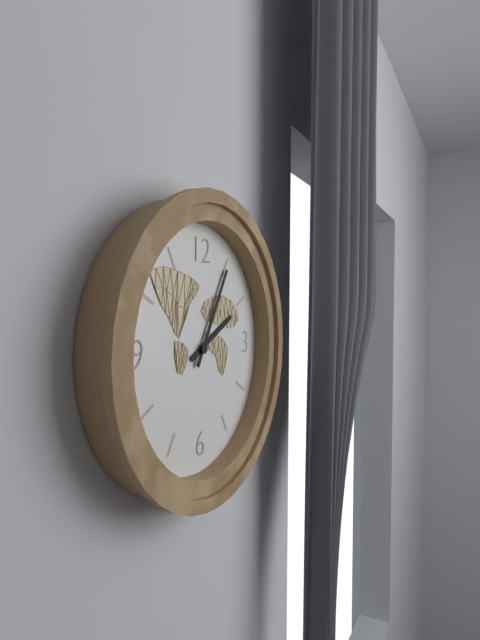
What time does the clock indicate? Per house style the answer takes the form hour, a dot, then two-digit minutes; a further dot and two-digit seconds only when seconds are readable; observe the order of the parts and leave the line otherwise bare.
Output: 2.05
